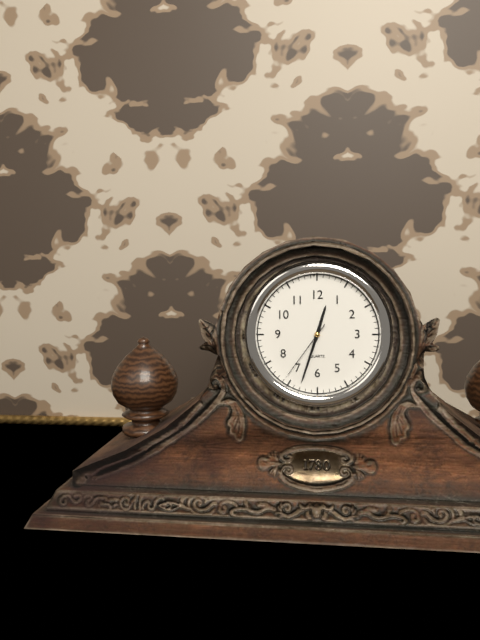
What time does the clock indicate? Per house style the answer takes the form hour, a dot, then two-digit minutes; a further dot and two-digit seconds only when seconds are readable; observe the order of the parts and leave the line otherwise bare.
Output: 12.33.36
